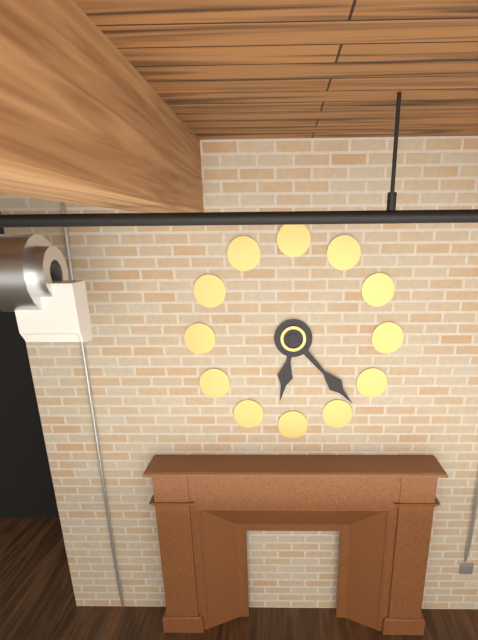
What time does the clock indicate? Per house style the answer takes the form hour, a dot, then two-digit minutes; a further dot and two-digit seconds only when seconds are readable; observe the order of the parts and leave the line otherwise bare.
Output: 6.23
